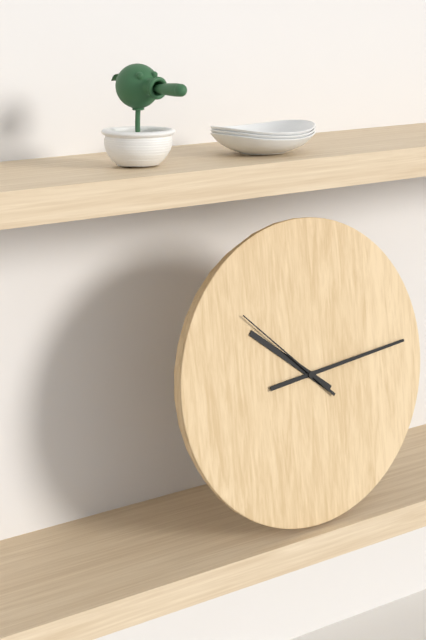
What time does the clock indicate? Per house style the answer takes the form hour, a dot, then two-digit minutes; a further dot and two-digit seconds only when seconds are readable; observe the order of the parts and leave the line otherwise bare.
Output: 10.14.52
